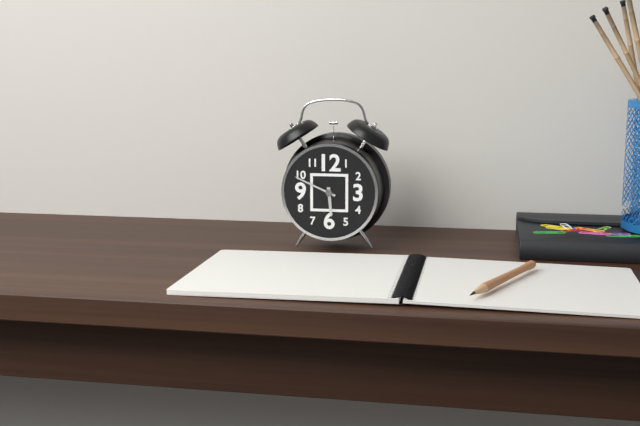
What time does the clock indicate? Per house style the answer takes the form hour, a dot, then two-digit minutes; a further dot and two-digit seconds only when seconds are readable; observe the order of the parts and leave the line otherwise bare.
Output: 5.49
